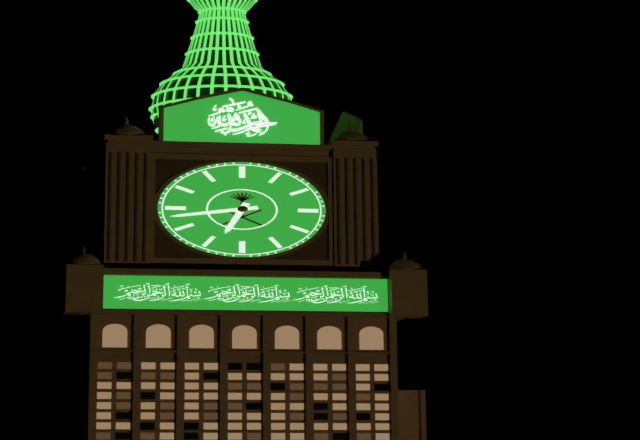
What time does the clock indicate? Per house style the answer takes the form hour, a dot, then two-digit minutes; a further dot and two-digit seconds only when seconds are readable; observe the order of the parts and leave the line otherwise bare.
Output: 6.43
